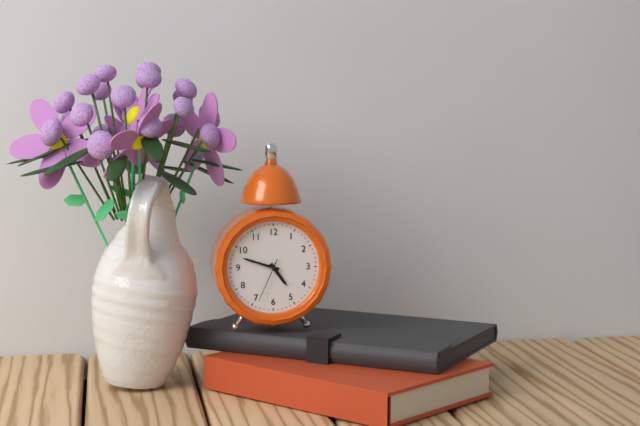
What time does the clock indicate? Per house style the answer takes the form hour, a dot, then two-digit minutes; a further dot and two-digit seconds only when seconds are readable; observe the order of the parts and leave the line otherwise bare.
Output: 4.48
